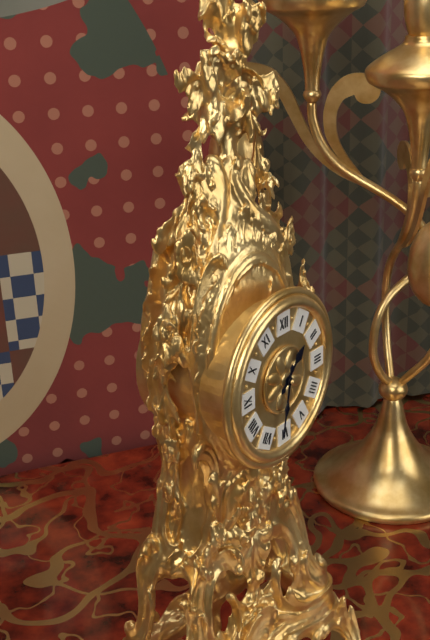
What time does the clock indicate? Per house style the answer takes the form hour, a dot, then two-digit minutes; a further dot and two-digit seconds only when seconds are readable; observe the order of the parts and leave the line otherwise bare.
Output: 1.32
